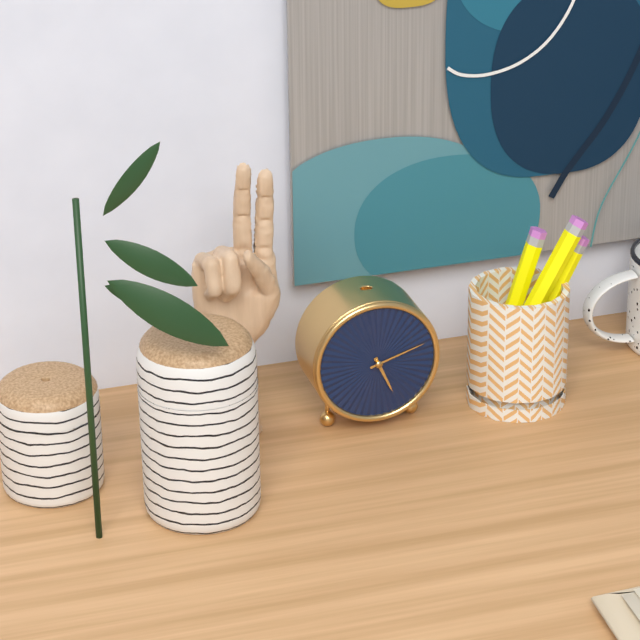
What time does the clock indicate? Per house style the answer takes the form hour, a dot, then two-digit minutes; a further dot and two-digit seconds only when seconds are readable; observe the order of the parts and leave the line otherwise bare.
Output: 5.12
